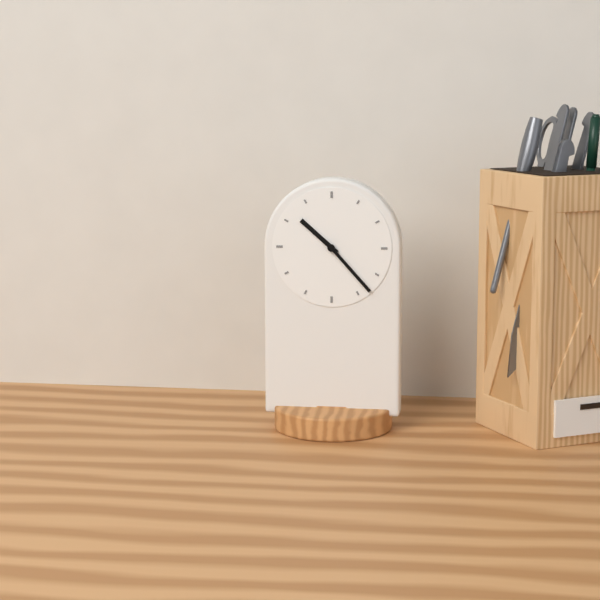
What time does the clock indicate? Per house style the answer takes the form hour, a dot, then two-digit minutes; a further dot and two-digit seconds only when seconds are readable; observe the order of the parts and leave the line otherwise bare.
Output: 10.23
